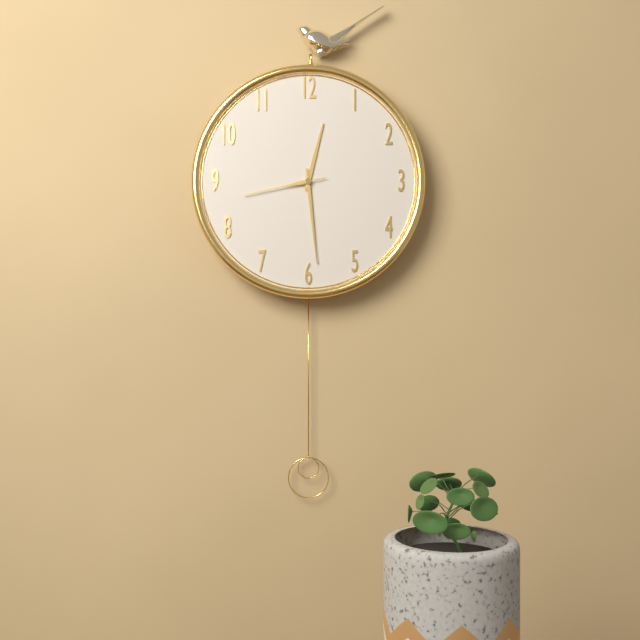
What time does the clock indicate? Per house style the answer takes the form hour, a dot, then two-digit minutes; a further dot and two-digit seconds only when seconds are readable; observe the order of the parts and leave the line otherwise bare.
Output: 12.29.43
